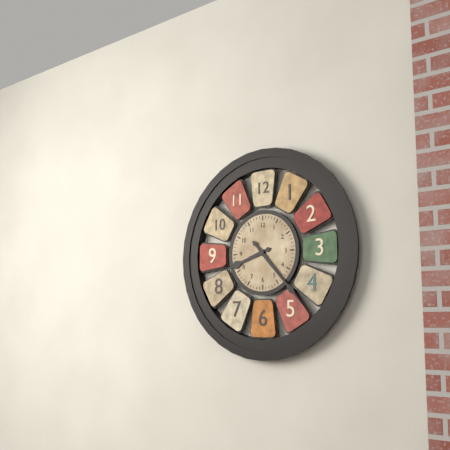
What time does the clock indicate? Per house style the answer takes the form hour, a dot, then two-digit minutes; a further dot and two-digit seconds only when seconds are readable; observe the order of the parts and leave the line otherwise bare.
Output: 8.23
